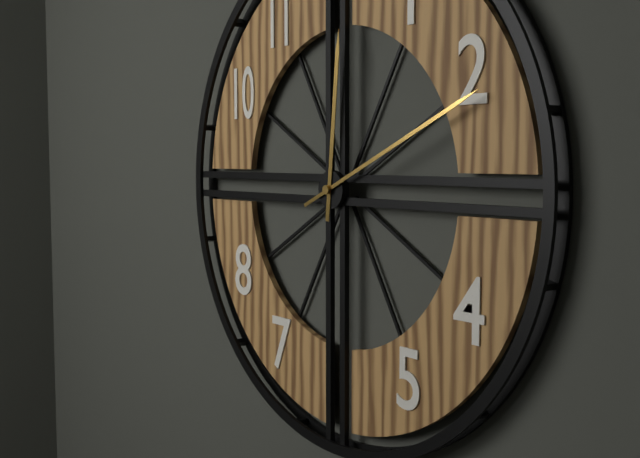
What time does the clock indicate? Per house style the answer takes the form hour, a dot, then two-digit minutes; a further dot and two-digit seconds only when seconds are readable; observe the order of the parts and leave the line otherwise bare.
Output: 12.11
